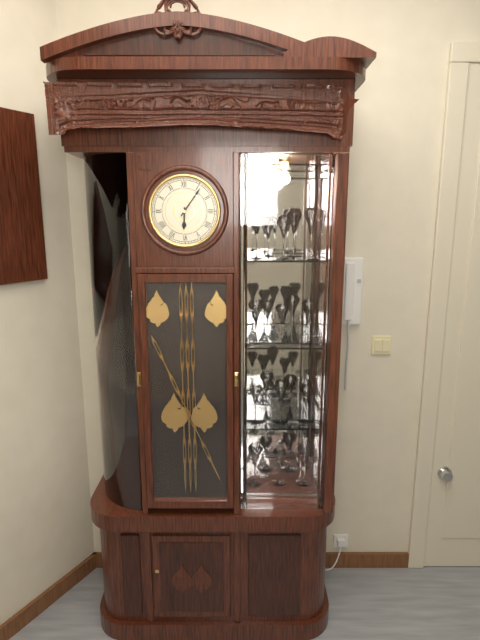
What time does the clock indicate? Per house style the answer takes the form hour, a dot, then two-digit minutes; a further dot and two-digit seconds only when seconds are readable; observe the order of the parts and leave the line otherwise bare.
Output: 6.06
